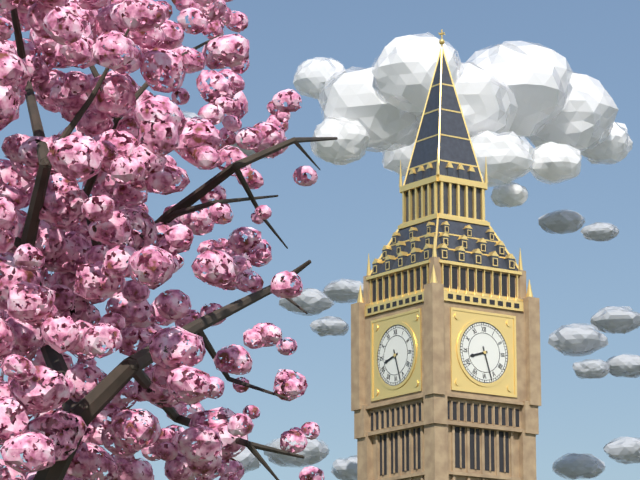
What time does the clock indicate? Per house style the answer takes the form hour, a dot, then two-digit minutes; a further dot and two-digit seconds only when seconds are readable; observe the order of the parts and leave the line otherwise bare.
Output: 8.27
